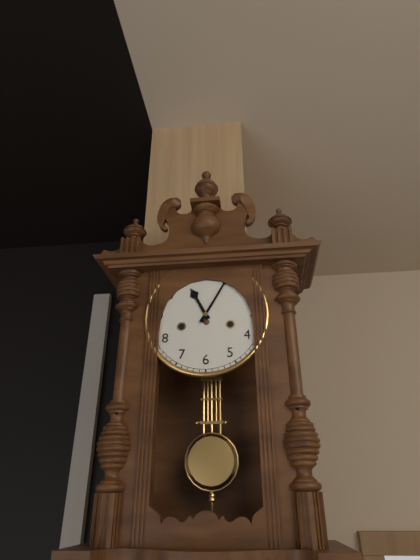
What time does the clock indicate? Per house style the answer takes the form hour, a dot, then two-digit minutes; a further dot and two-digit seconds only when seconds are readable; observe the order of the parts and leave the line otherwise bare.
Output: 11.05
